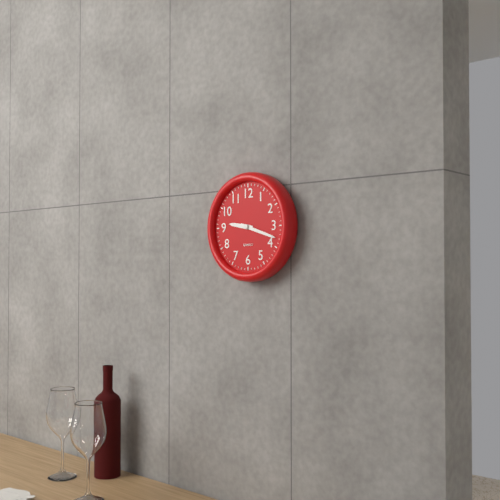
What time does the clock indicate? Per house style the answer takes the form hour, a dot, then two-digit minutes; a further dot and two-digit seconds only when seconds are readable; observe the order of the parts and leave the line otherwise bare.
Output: 9.18
